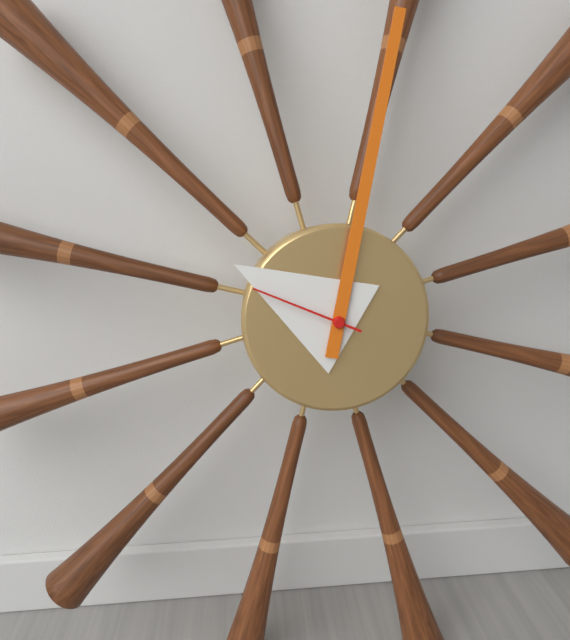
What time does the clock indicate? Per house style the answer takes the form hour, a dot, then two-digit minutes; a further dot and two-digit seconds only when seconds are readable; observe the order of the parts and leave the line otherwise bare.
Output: 10.02.49
